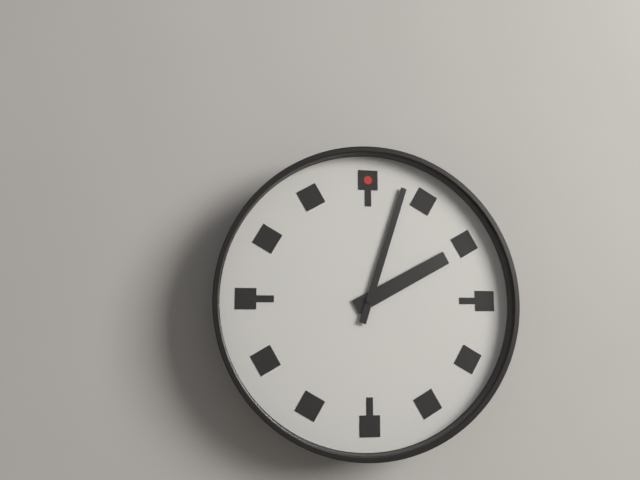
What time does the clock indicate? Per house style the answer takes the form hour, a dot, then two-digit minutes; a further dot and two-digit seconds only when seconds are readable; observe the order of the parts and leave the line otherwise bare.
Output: 2.03
